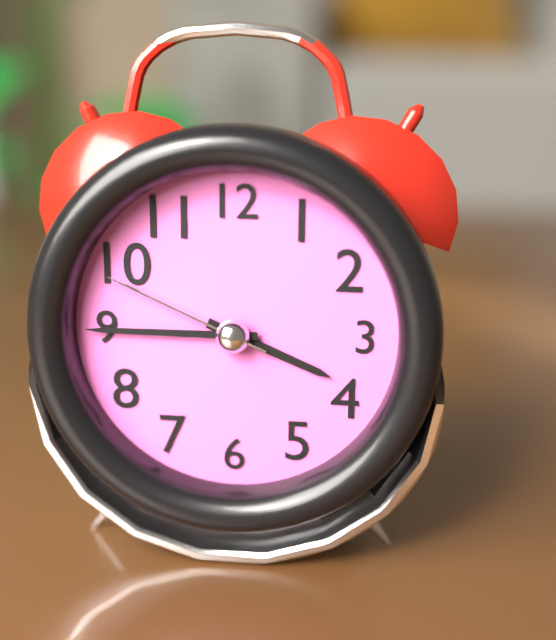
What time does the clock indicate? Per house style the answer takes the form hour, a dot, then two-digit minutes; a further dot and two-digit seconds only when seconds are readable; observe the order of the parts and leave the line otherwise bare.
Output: 3.45.49
